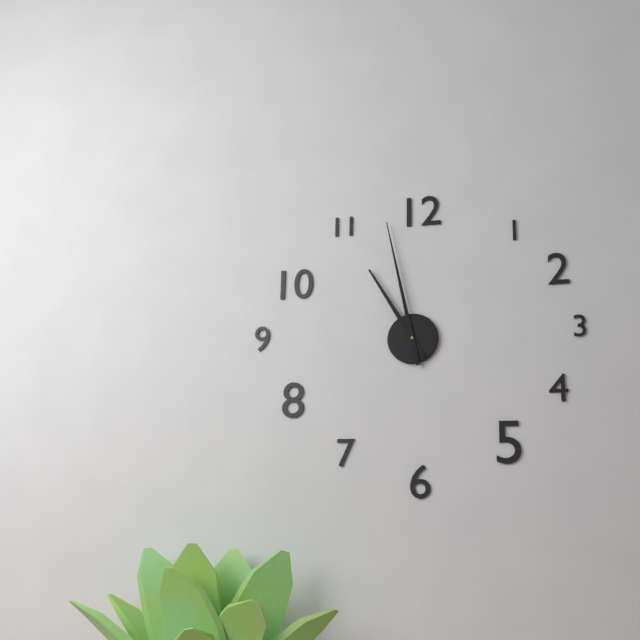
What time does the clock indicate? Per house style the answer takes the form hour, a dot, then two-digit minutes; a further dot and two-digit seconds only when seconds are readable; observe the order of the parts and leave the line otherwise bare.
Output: 10.58
